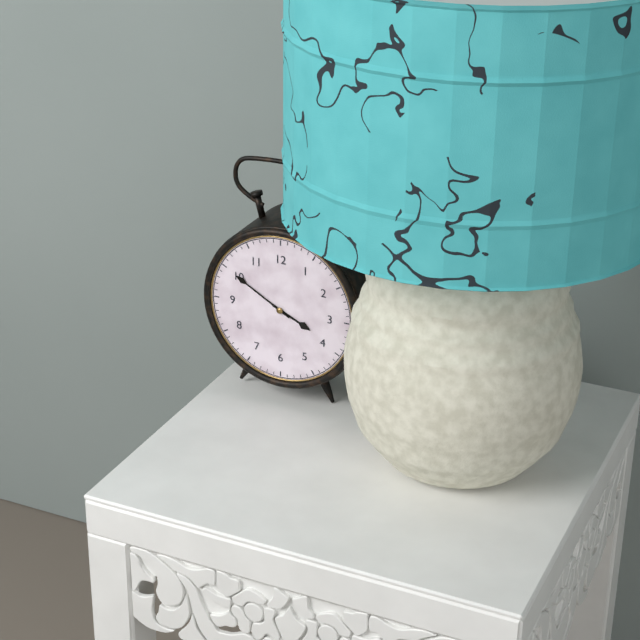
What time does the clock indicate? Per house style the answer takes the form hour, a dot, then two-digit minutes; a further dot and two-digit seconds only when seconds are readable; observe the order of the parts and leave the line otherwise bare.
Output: 3.50
